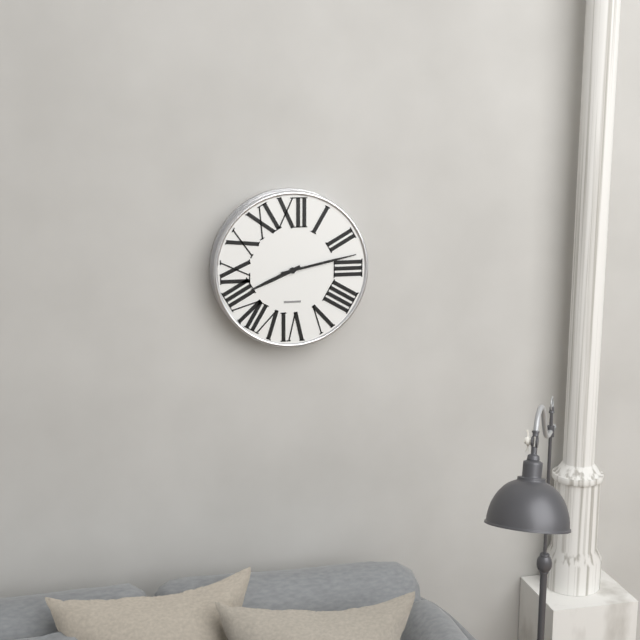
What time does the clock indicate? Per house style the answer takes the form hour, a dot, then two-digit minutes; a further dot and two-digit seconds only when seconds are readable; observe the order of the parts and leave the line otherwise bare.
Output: 8.13
